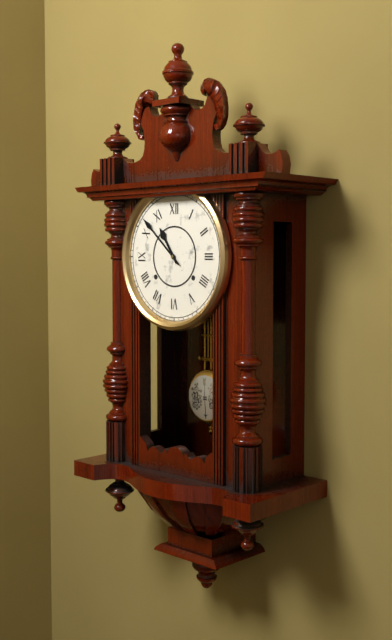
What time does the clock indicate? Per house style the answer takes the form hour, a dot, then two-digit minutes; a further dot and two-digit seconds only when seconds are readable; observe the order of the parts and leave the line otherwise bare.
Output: 10.52
